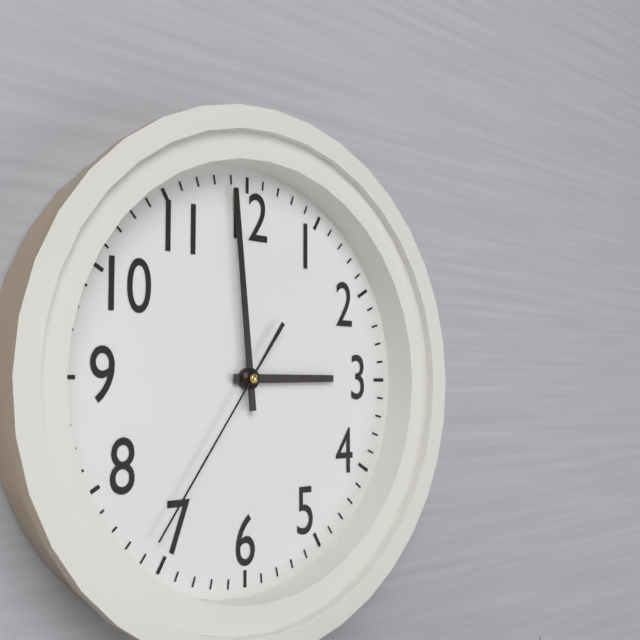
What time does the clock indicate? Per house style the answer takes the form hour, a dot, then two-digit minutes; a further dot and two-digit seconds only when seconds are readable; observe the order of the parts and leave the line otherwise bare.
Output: 2.59.36
